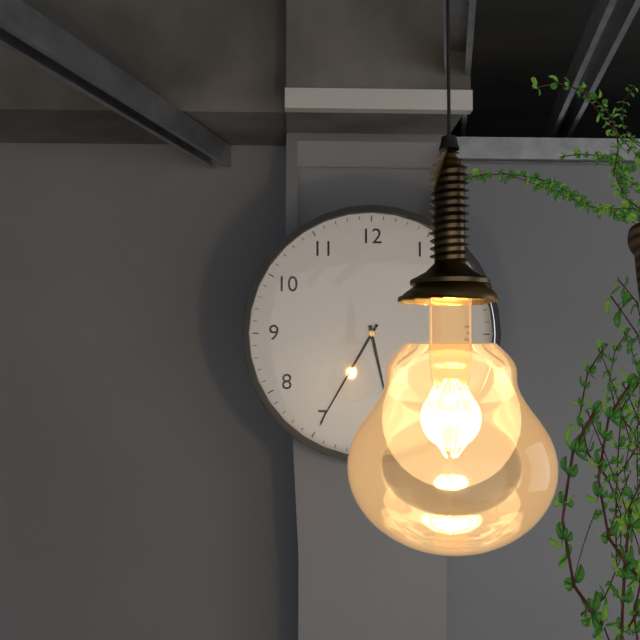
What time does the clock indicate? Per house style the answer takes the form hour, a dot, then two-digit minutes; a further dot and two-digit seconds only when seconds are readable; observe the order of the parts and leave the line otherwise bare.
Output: 5.35
